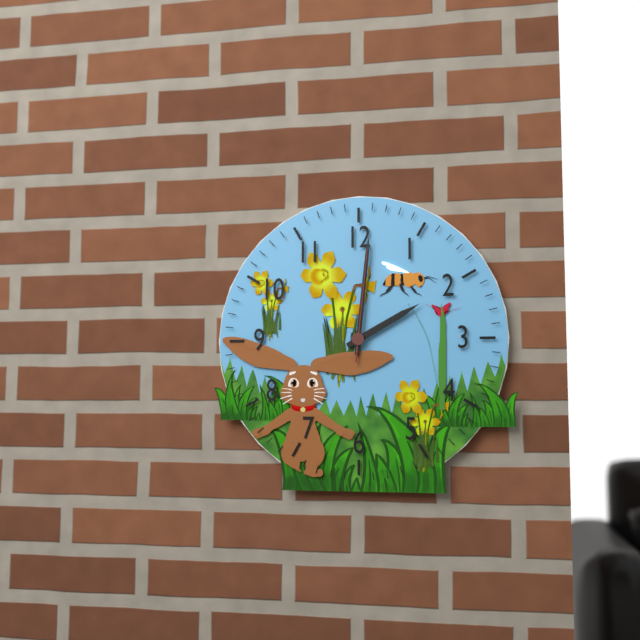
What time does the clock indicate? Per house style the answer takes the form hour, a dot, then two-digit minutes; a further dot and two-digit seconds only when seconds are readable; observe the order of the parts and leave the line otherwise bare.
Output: 2.01.01
